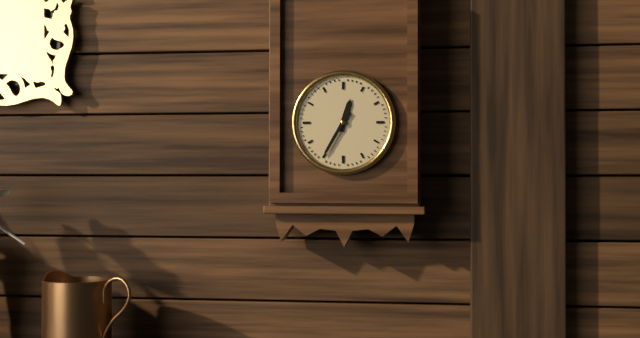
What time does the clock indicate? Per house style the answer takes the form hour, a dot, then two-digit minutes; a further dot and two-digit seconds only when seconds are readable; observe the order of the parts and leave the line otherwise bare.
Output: 12.35
